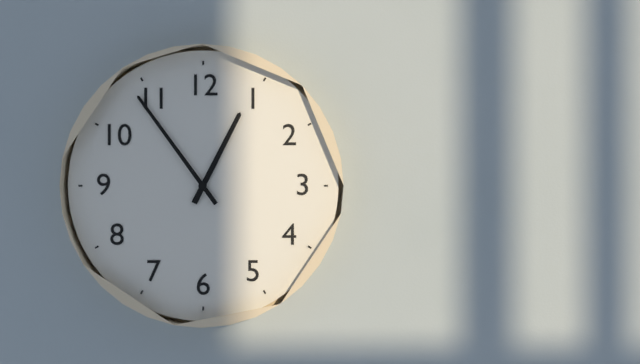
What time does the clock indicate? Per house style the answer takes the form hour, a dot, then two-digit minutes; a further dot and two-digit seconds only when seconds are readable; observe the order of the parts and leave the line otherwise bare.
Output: 12.54
